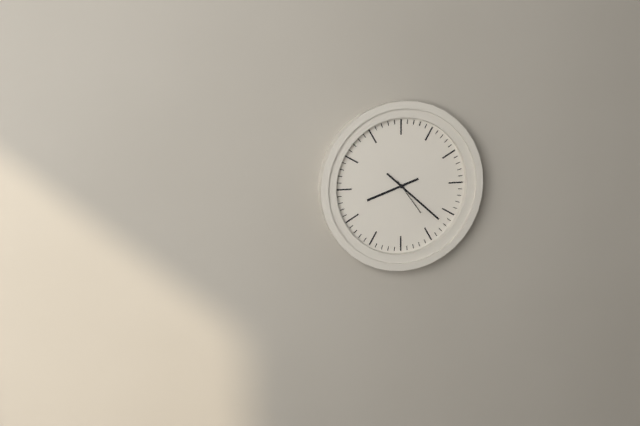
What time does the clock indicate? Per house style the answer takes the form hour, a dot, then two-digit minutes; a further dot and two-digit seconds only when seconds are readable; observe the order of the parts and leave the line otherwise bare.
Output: 8.22
